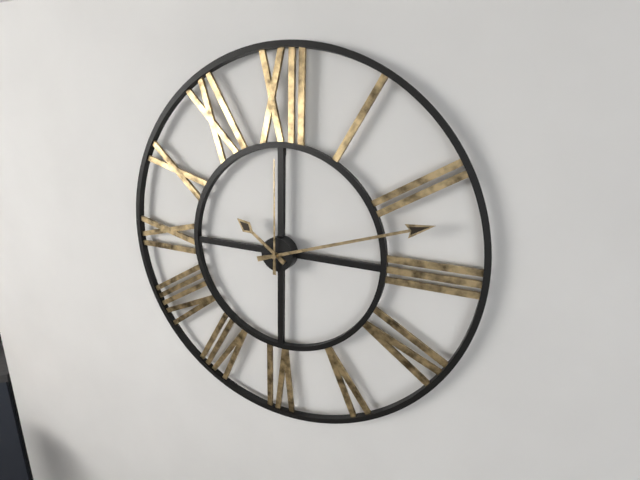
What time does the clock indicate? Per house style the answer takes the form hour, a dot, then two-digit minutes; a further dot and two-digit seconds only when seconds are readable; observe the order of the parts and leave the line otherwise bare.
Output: 10.12.00
